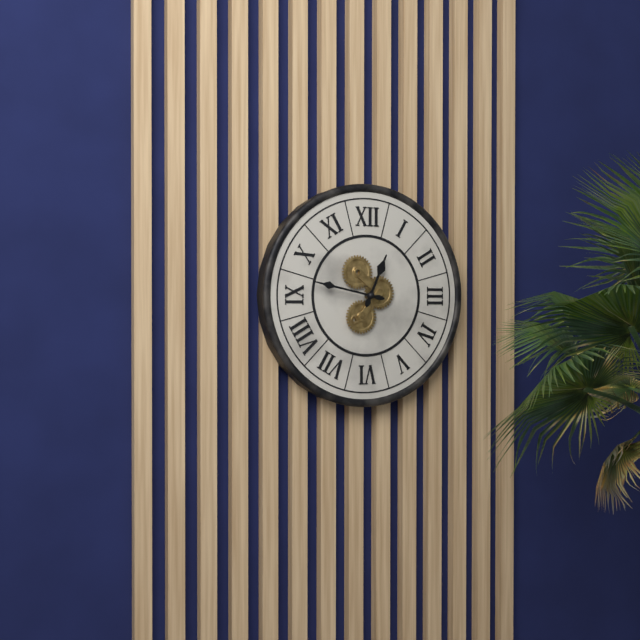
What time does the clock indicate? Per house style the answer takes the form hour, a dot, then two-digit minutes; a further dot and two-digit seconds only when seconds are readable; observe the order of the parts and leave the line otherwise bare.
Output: 12.47
